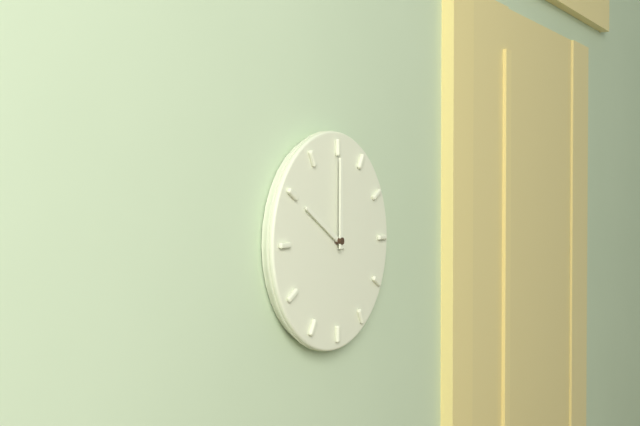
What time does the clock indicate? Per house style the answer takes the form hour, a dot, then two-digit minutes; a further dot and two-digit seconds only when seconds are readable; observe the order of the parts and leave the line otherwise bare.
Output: 10.00
